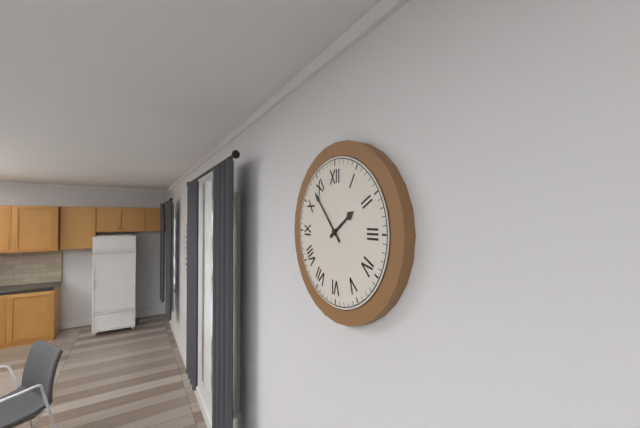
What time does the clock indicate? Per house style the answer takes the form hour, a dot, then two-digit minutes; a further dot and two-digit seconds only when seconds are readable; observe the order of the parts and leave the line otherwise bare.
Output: 1.53
